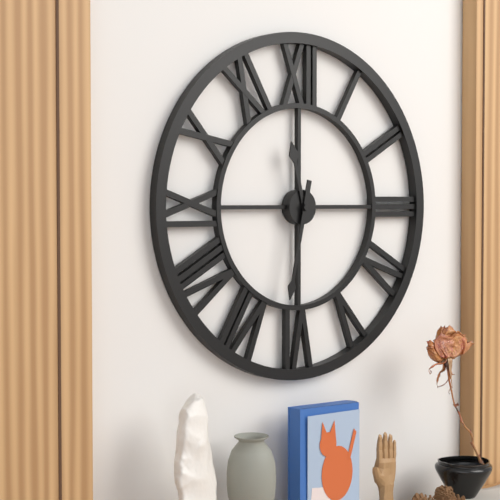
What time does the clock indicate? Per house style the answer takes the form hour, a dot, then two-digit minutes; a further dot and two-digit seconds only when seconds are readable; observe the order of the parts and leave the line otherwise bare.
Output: 11.32
